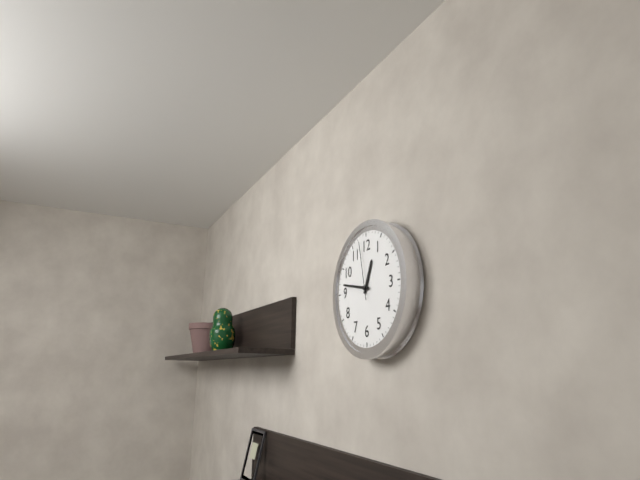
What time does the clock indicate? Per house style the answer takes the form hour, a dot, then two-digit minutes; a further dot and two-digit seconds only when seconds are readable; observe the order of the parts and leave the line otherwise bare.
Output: 12.47.58
